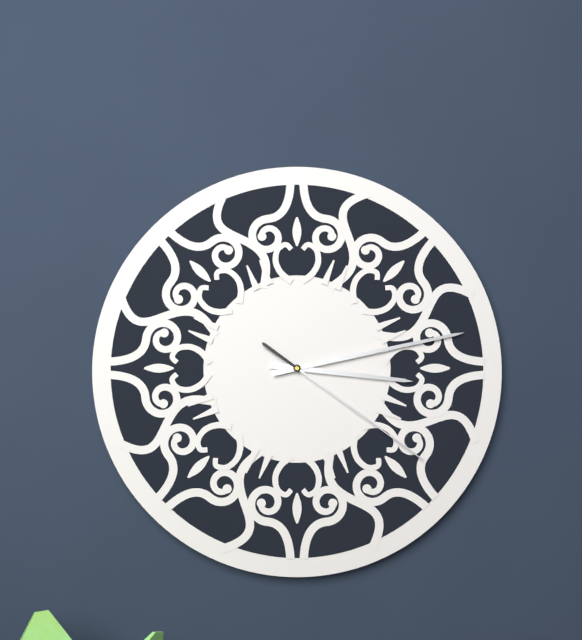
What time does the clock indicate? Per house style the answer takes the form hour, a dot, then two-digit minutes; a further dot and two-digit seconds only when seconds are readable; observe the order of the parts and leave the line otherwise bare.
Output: 3.13.21
